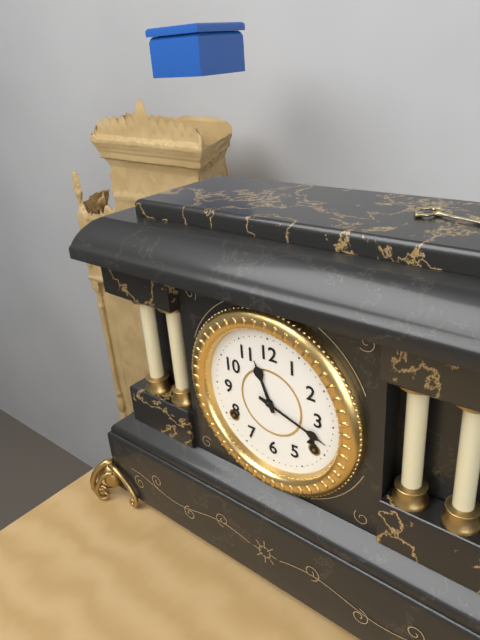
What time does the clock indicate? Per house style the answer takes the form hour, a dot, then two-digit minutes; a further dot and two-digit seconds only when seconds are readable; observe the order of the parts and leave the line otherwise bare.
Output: 11.18
